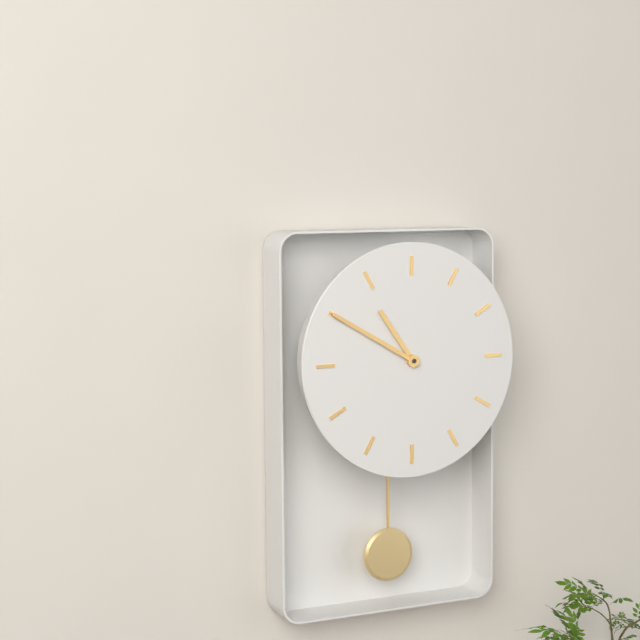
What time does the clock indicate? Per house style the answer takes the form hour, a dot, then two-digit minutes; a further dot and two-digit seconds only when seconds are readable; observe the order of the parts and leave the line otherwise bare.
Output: 10.50
